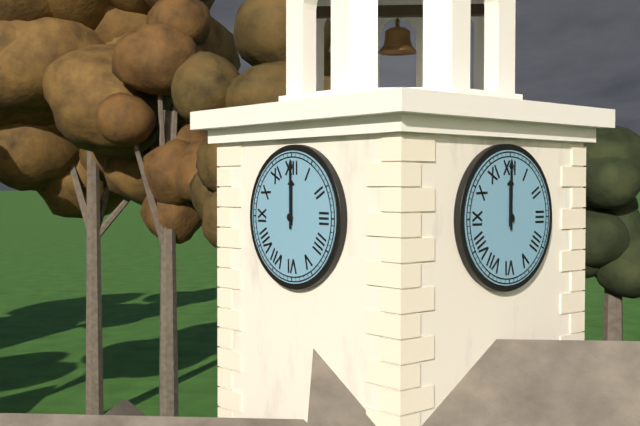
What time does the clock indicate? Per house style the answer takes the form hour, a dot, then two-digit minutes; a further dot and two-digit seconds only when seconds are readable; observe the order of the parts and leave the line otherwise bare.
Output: 12.00
